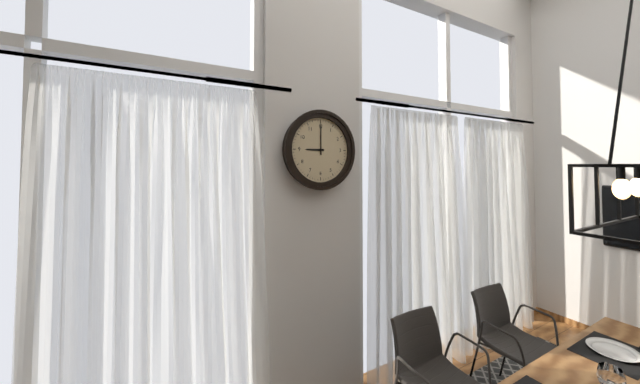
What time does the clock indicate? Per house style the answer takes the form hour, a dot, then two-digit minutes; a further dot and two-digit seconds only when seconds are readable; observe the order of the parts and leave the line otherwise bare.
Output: 9.00
